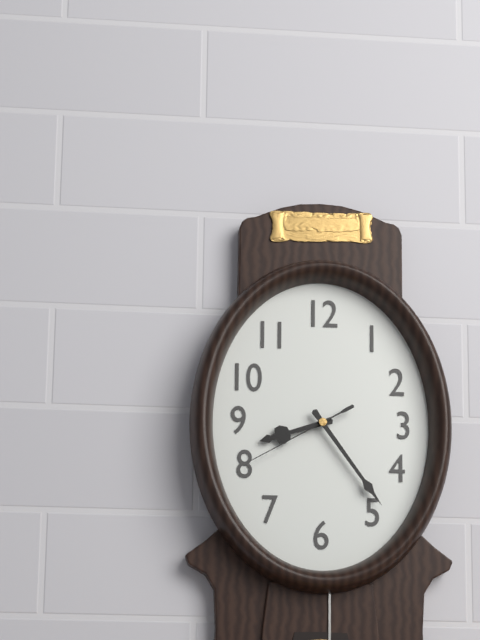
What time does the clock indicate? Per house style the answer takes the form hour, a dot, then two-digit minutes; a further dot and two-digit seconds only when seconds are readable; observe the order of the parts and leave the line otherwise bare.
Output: 8.24.40
